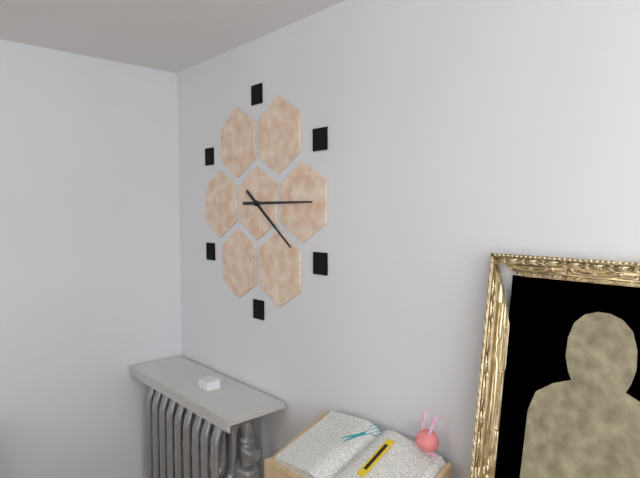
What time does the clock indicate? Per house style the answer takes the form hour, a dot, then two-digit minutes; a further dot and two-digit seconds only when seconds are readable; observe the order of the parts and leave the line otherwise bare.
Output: 4.15
